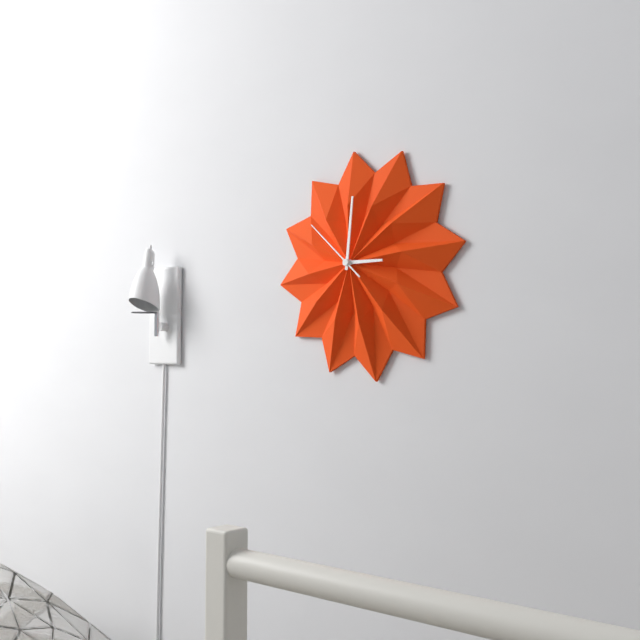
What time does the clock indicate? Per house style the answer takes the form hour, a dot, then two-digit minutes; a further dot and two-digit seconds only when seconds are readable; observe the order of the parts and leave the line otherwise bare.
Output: 3.01.52
